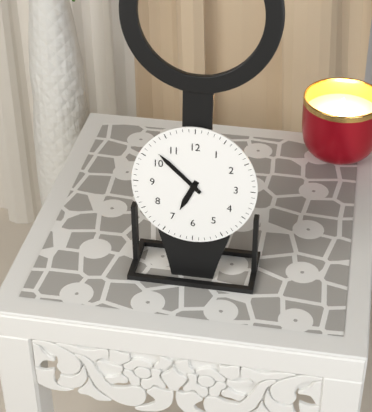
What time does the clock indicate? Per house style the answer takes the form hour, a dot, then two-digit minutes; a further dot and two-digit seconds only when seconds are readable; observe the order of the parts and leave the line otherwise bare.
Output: 6.52
